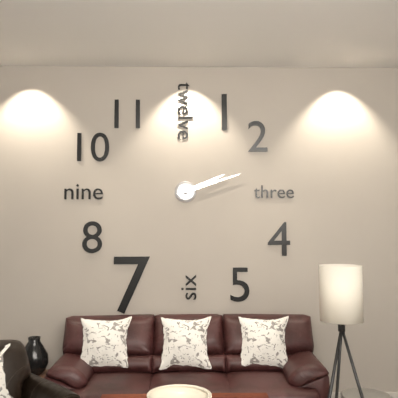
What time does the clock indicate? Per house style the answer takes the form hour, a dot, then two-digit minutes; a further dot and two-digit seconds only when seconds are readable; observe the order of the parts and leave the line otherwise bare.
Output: 2.12
